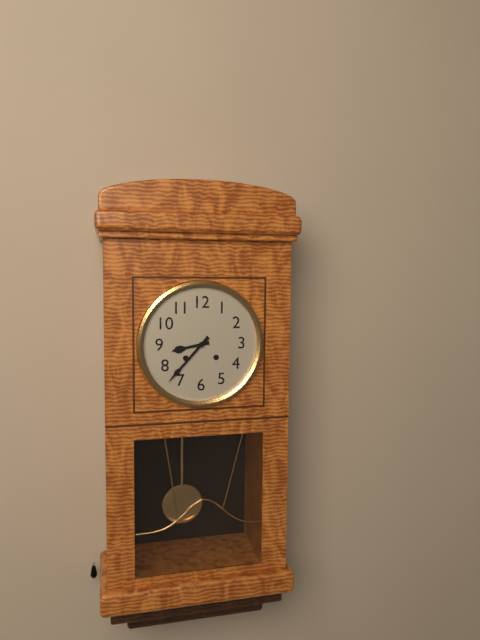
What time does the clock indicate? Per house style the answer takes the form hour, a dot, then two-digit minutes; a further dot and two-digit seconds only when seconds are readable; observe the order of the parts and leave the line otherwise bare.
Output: 8.37
